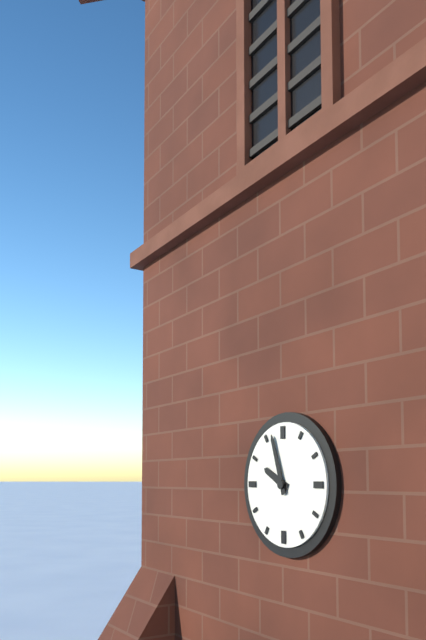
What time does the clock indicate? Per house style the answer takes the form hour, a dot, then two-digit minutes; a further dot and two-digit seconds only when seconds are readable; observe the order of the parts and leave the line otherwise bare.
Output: 9.57
